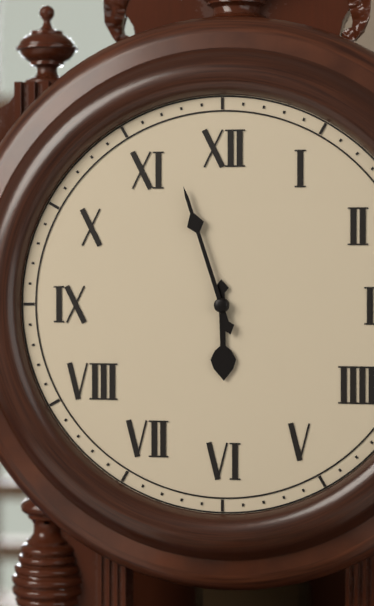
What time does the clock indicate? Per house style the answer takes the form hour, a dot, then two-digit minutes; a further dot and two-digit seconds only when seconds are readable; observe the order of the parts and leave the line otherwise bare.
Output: 5.57
